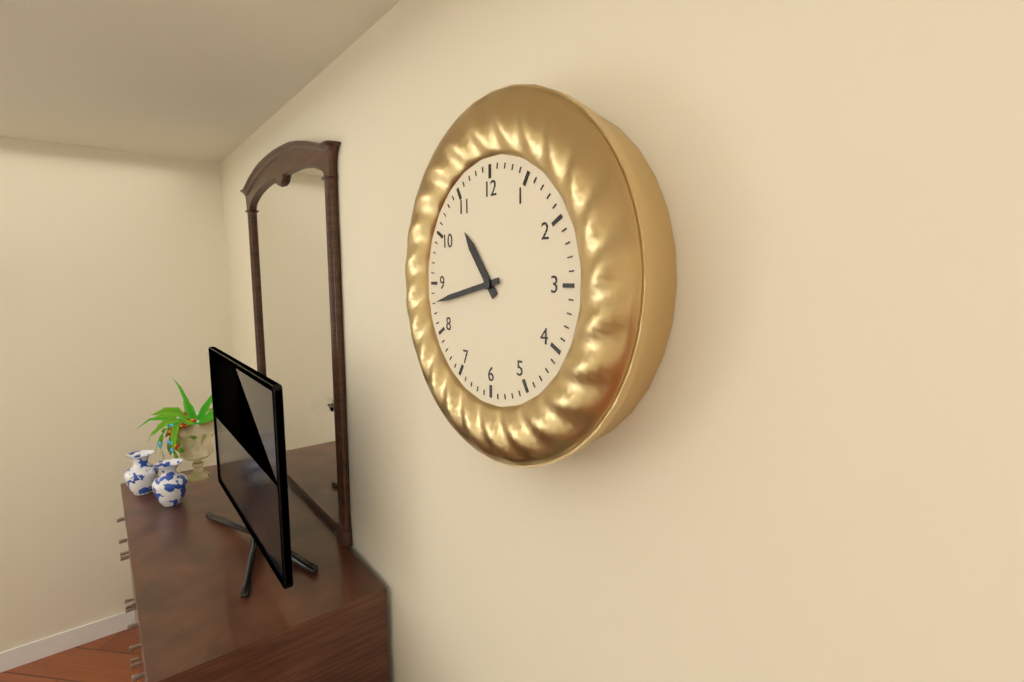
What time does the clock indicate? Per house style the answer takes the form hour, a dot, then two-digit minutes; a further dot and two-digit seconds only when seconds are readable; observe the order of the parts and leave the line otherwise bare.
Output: 10.43
